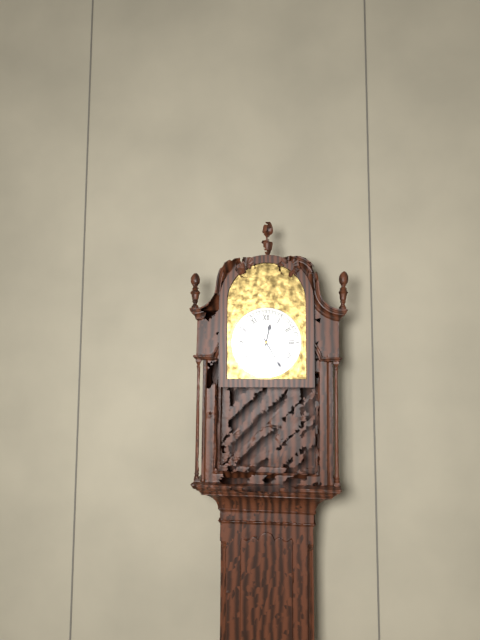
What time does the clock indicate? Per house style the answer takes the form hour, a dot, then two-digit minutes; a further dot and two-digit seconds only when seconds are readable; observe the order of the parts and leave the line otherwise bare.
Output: 12.25
